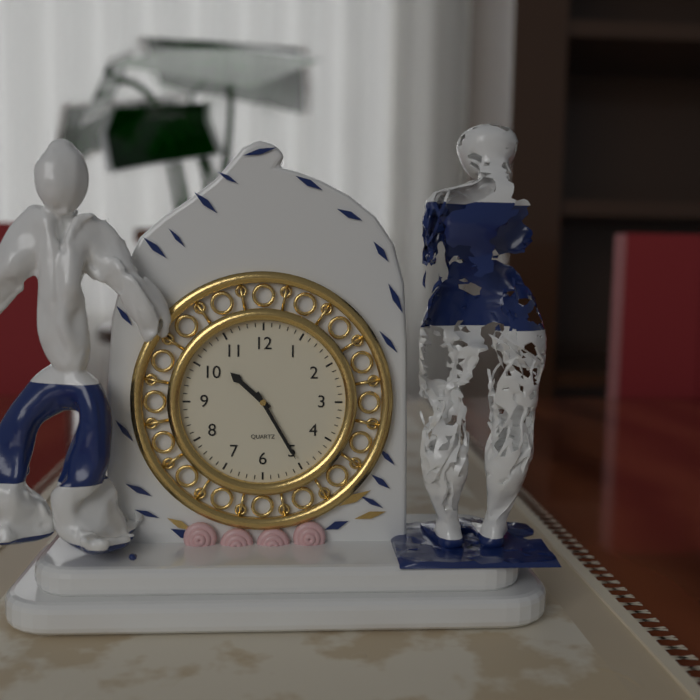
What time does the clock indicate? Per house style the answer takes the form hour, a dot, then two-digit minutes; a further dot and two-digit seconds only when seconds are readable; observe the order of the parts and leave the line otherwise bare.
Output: 10.25
